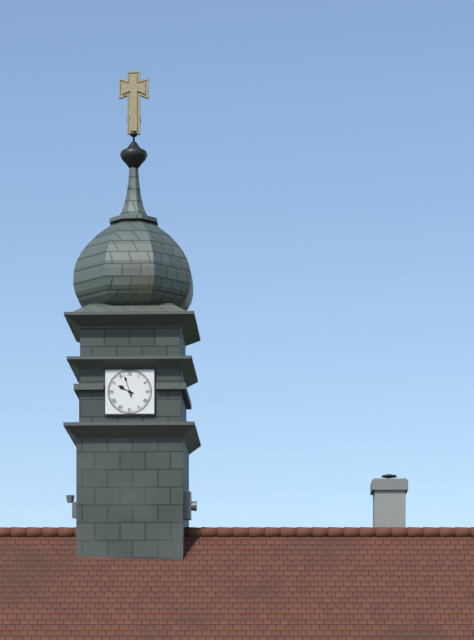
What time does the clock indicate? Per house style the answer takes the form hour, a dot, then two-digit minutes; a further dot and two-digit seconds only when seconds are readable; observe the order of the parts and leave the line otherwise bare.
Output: 9.57
